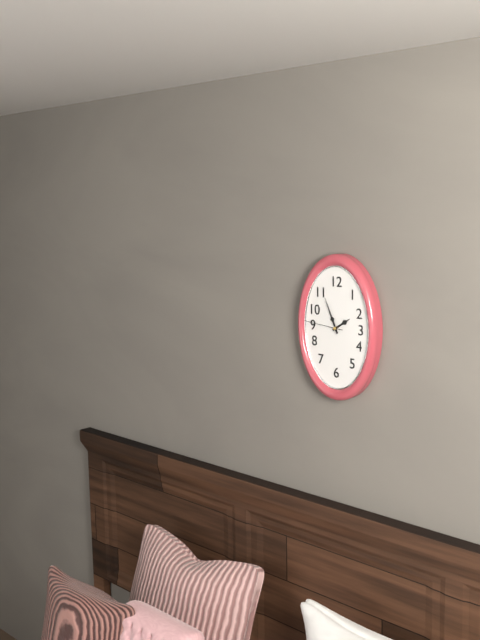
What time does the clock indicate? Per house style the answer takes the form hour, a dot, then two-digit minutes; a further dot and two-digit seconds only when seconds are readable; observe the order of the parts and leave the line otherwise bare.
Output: 1.56
